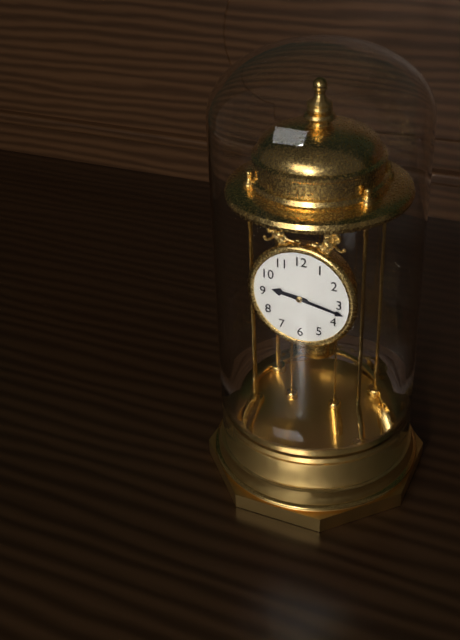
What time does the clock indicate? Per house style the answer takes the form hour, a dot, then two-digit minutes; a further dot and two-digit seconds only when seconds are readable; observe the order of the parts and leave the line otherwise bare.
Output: 9.17
